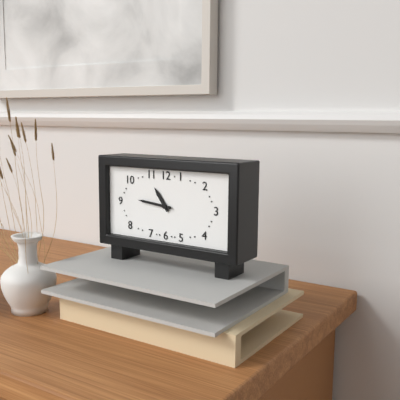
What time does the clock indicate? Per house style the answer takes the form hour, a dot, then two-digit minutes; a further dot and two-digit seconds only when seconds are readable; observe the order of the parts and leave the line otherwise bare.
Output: 10.46
